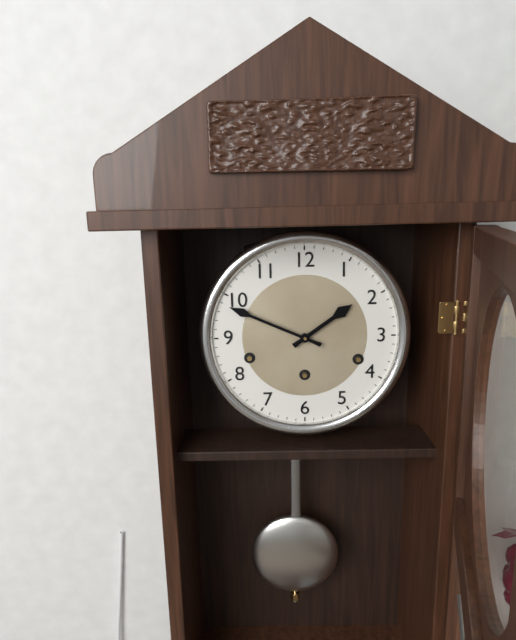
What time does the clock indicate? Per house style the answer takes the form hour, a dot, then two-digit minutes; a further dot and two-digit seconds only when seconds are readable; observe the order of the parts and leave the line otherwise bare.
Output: 1.49
